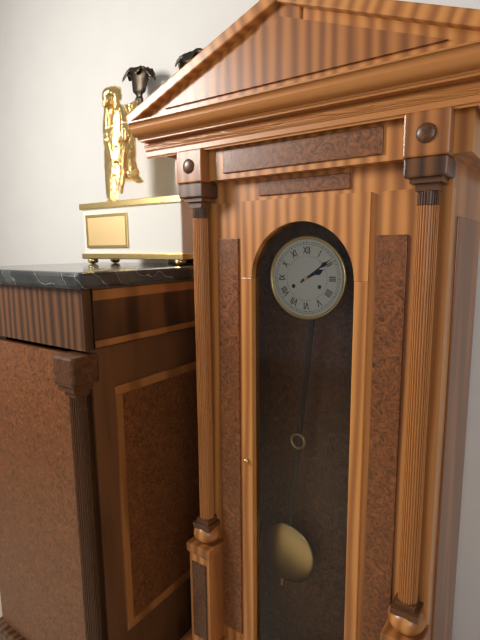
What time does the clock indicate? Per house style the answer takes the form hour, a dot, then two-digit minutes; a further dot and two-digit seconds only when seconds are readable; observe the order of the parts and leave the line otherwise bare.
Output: 2.09
